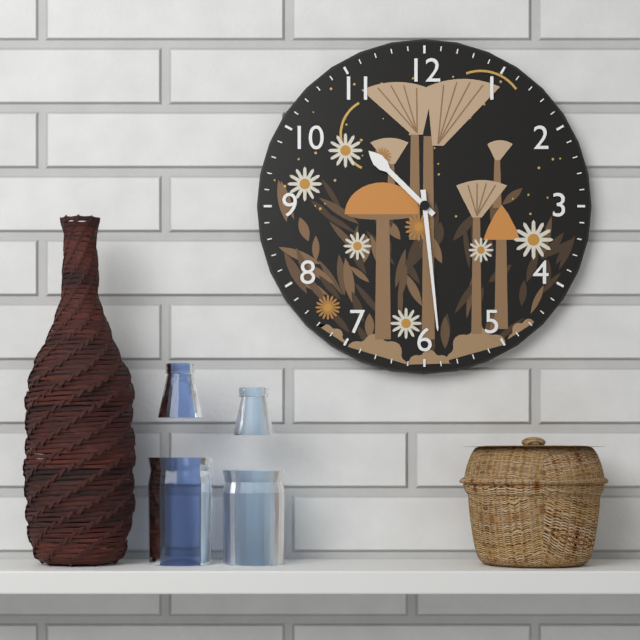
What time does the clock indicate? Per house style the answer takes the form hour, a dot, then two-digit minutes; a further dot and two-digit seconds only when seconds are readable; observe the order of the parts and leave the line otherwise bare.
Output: 10.29
